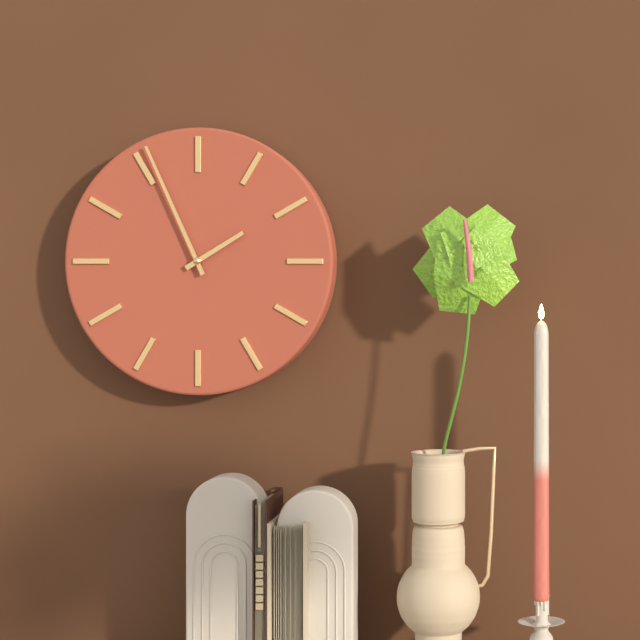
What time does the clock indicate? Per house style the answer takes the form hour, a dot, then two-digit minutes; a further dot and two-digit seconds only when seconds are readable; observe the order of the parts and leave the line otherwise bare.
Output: 1.56
